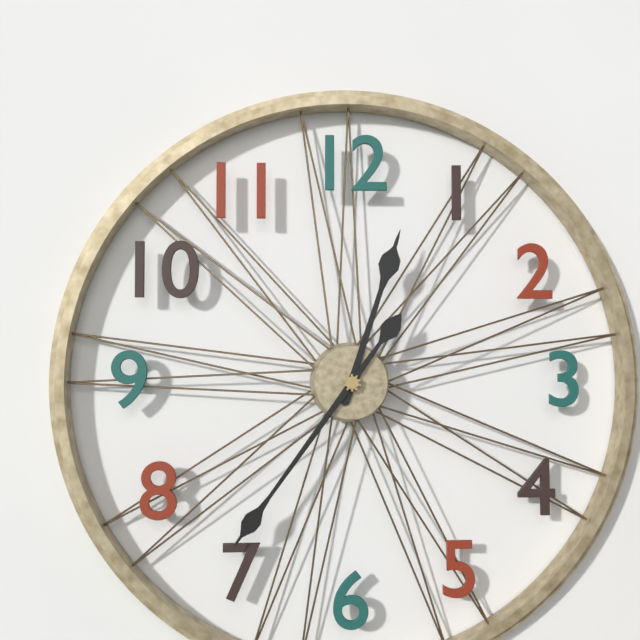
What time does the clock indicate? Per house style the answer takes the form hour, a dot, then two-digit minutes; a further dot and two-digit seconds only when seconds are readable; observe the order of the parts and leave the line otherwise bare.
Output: 12.36
